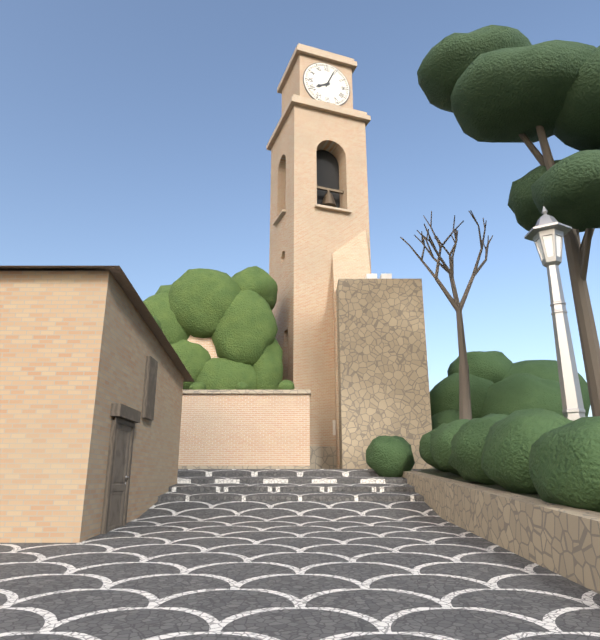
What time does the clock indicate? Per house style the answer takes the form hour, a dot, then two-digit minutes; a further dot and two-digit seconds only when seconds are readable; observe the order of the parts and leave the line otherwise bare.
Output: 8.04
